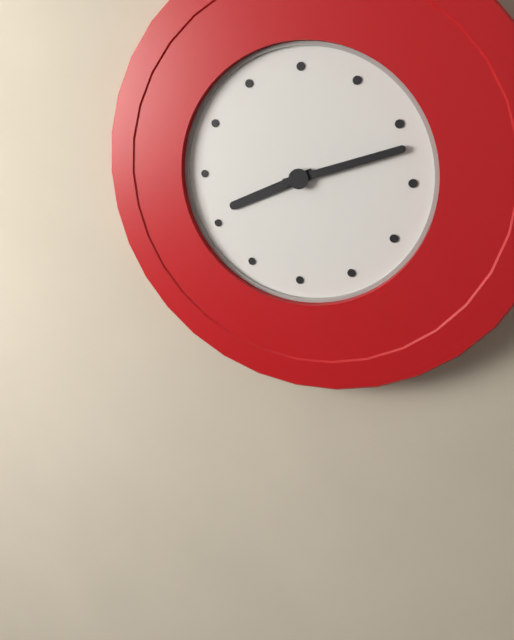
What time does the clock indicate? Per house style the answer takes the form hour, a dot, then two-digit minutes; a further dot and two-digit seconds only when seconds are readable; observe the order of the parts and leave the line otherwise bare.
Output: 8.12
